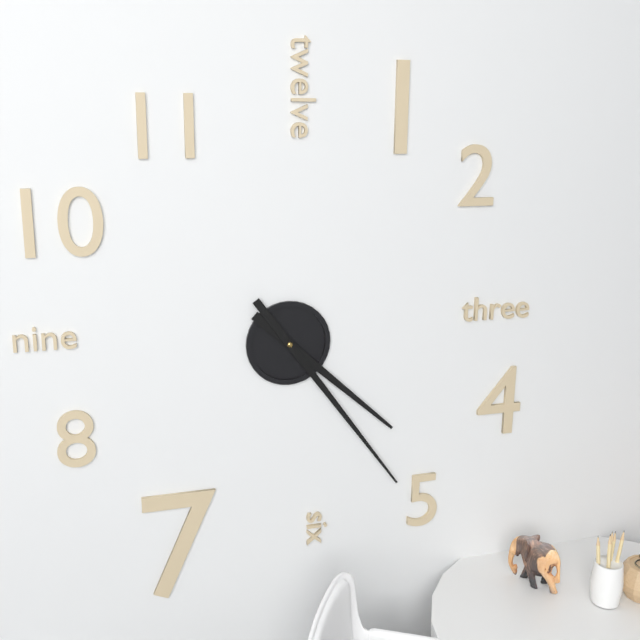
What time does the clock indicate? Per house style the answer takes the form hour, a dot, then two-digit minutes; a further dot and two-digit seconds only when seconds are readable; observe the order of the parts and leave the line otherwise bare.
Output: 4.24
